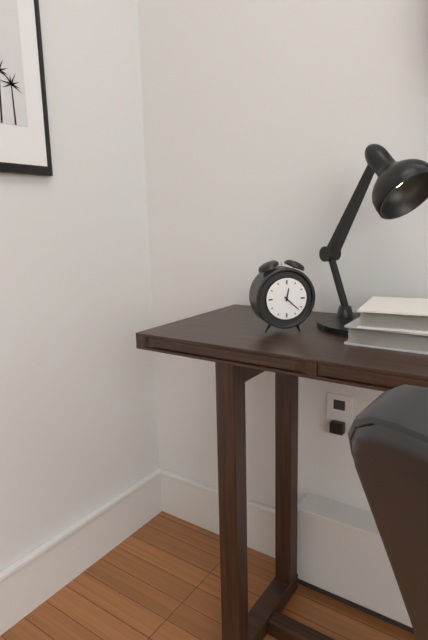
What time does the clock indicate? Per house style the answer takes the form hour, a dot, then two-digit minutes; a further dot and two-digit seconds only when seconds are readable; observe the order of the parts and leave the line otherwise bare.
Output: 12.22
